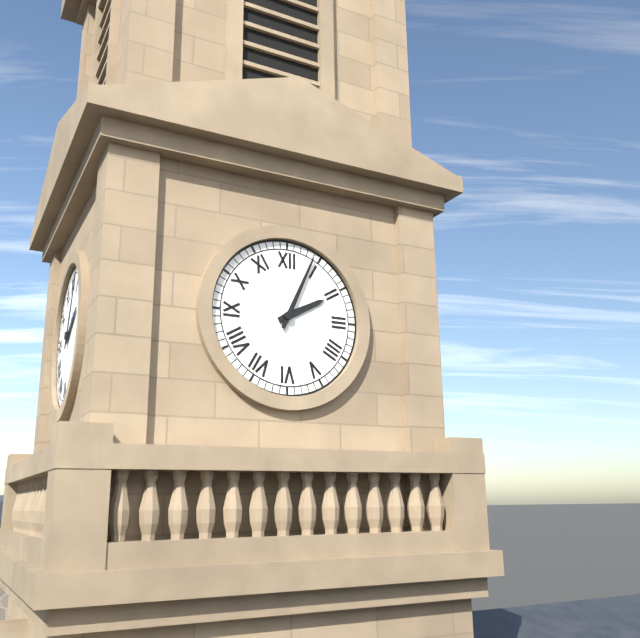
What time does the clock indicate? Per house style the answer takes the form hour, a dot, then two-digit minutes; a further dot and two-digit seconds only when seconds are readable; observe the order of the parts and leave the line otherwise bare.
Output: 2.04
